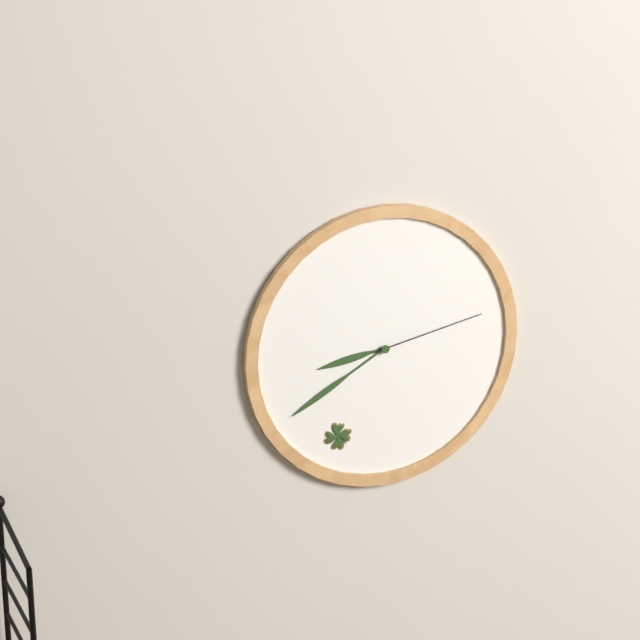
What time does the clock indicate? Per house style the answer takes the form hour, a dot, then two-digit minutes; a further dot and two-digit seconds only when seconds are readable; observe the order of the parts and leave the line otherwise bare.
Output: 8.40.13
